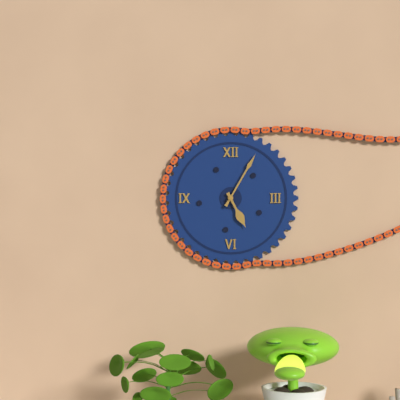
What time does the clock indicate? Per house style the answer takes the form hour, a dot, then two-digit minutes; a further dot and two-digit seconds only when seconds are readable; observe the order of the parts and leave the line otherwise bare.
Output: 5.05
